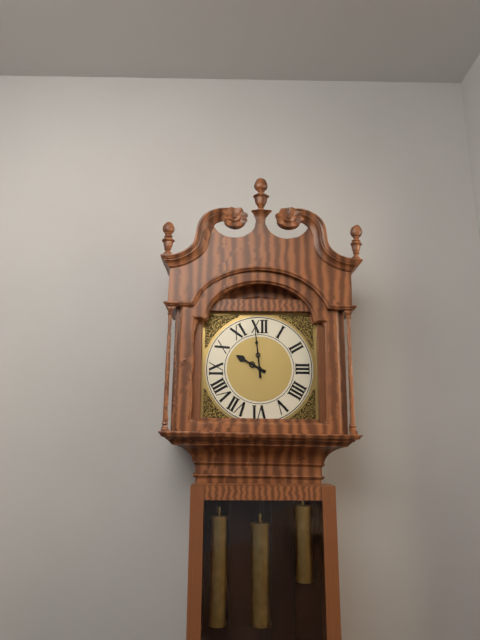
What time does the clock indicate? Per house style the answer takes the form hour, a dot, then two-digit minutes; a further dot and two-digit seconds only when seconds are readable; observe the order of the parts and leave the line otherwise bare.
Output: 9.59
